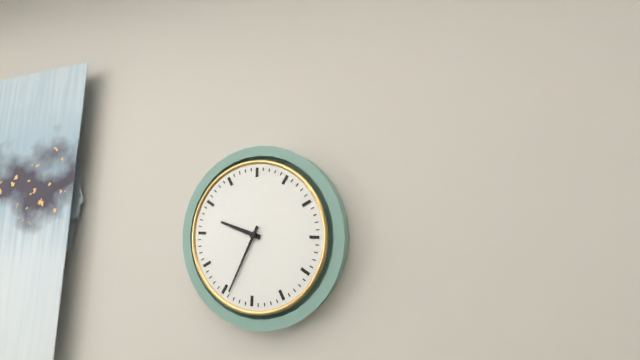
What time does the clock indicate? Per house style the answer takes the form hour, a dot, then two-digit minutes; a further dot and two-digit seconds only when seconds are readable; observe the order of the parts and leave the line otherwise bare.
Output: 9.34
